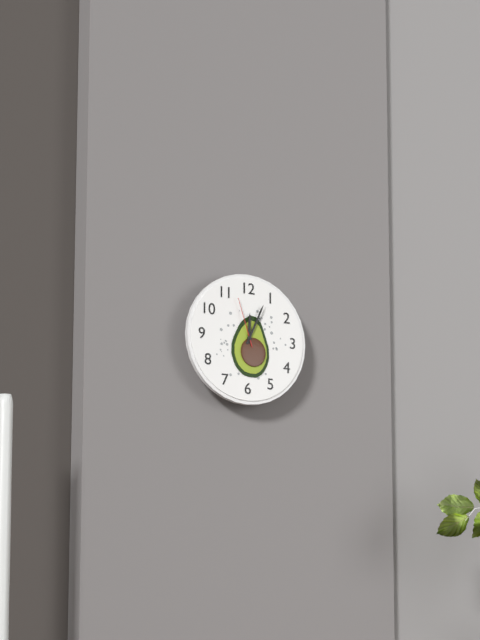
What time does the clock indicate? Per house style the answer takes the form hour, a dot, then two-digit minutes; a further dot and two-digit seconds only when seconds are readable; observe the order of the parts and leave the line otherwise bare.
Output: 12.04.57
